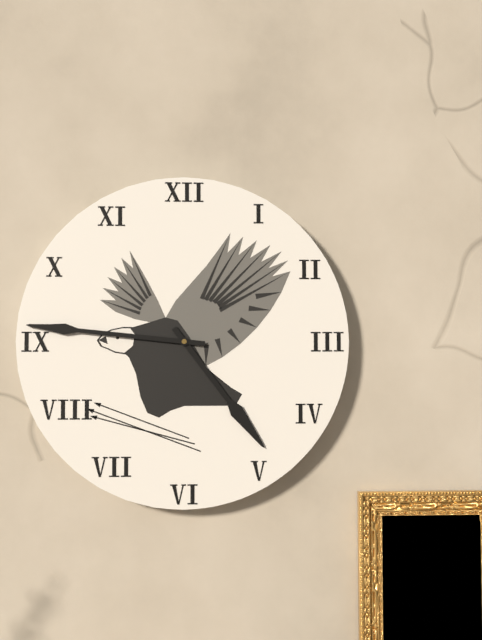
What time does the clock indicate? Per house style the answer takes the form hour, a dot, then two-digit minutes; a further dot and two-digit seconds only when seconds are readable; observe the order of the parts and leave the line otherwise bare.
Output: 4.46
